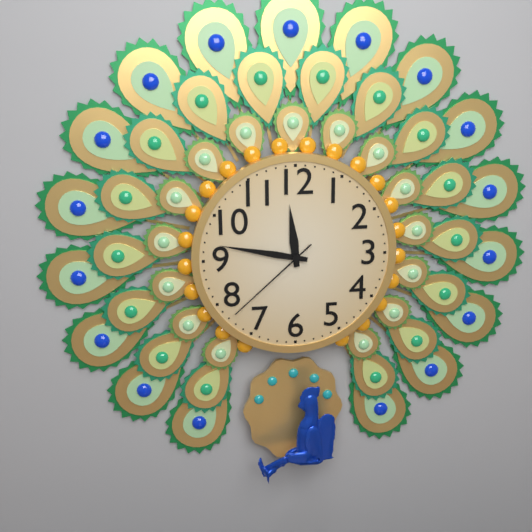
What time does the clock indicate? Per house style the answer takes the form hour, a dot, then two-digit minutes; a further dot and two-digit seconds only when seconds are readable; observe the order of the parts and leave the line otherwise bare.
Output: 11.47.38
